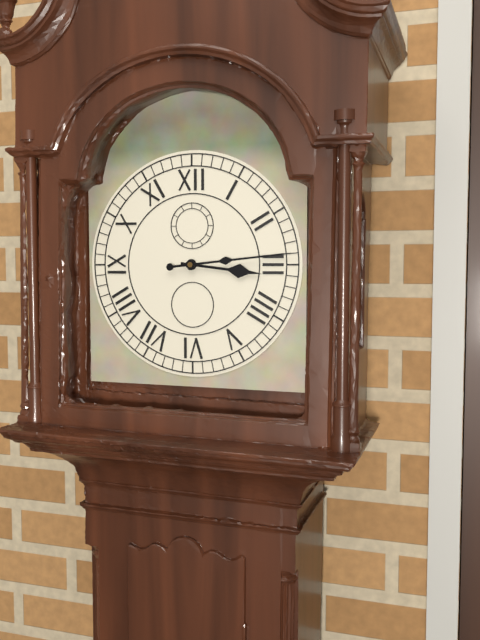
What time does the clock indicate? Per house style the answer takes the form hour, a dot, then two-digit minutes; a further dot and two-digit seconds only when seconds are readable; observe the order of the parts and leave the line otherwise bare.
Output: 3.14
